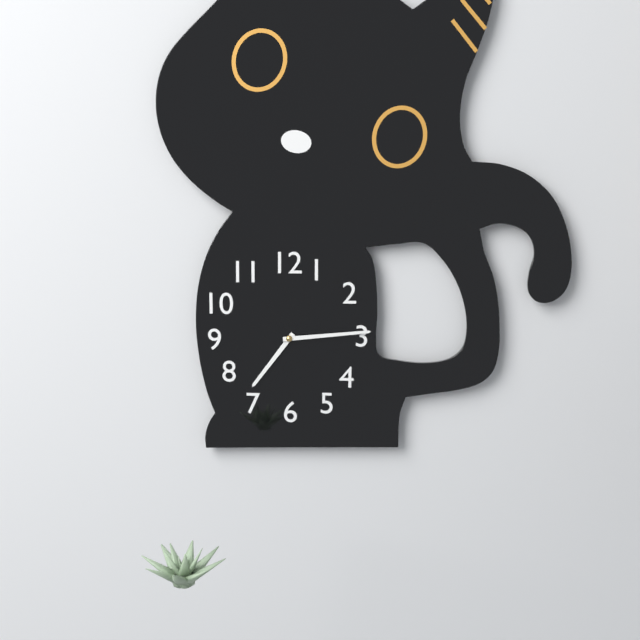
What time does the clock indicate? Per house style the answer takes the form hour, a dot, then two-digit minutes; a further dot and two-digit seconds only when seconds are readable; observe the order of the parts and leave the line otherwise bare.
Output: 7.14
